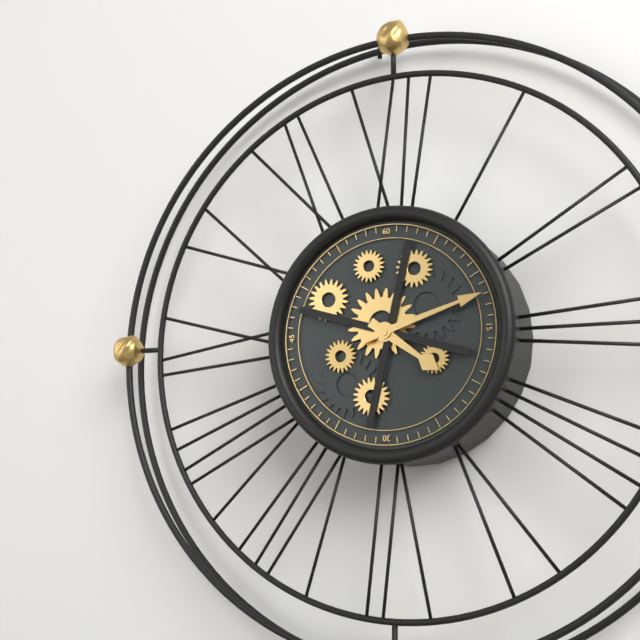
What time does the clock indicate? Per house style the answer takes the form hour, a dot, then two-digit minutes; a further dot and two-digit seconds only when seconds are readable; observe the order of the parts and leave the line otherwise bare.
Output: 4.12
